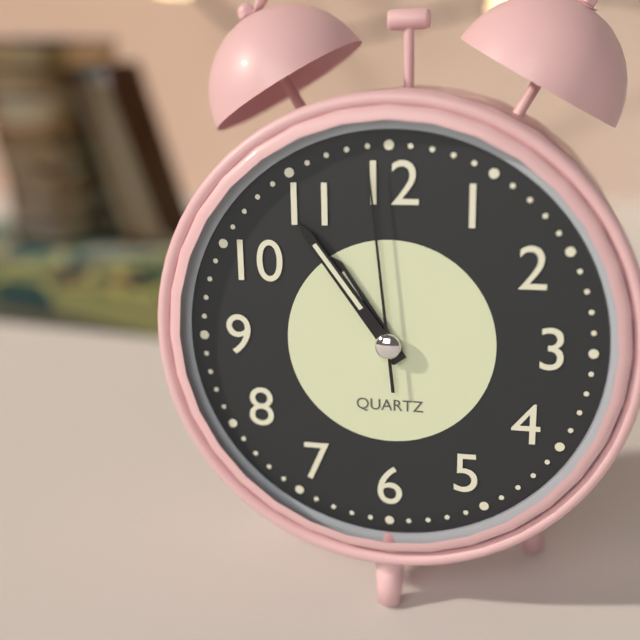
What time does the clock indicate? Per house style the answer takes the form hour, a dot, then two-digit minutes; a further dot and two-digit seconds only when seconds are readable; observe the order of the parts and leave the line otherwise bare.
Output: 10.54.59
